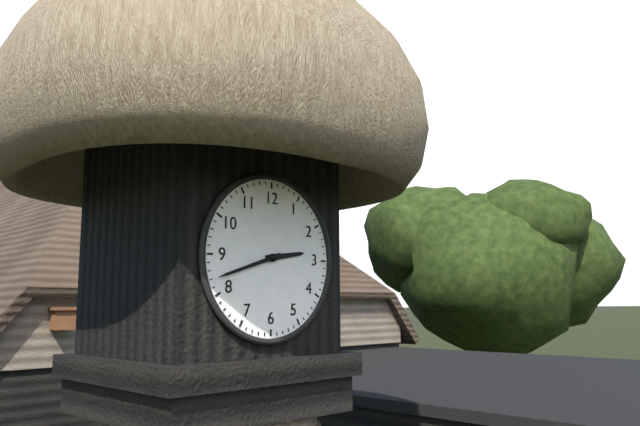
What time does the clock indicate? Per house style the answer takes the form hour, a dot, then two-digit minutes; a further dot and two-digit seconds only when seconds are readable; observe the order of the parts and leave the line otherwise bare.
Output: 2.42
